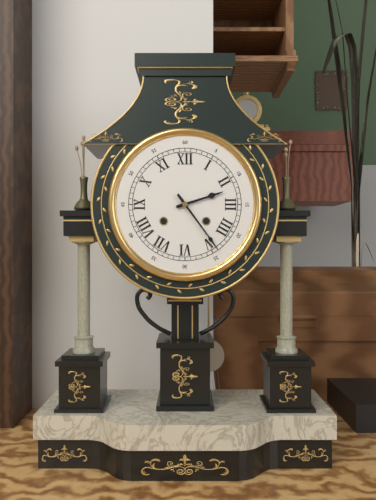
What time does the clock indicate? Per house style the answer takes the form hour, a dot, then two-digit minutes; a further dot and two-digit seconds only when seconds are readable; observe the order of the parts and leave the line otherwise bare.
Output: 2.24
